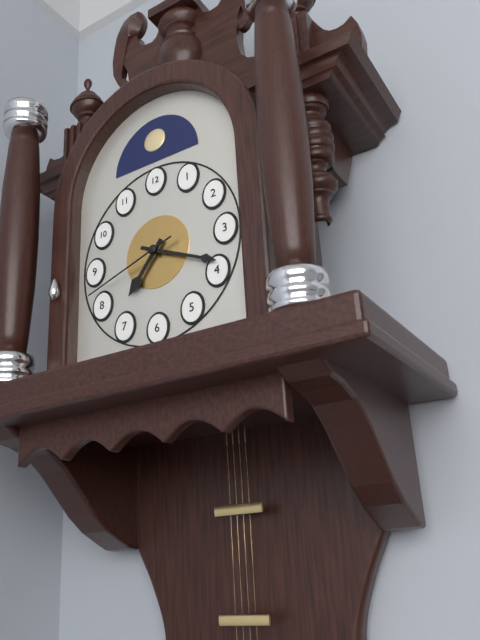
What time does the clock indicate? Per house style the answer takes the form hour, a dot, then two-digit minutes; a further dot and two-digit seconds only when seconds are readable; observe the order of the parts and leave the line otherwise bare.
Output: 7.19.42
